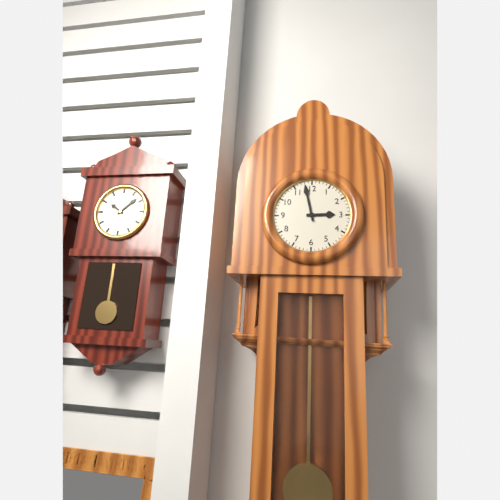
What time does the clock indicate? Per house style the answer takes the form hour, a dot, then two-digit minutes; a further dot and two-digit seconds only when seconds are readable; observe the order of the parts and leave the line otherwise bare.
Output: 2.58
